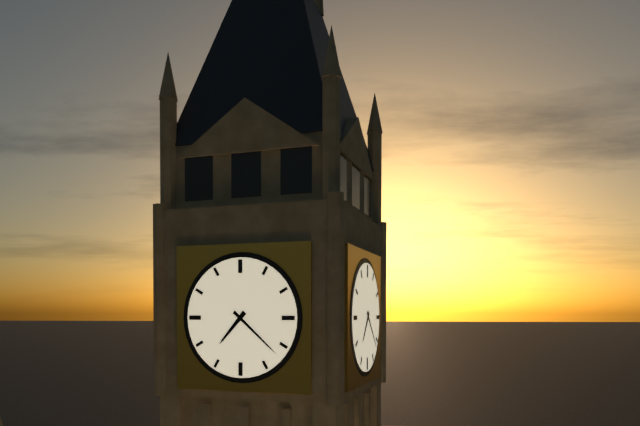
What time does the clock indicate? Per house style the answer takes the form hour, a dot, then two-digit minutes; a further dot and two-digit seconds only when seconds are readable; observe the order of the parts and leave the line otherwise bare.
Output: 7.22
